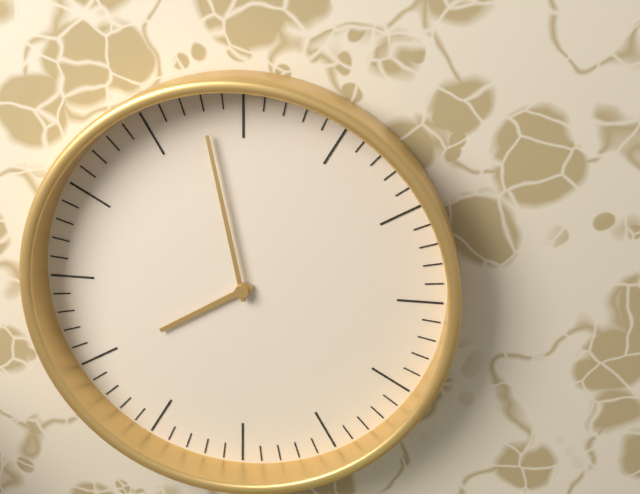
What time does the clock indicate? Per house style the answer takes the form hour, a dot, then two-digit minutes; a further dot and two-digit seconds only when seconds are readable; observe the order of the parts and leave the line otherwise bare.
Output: 7.58
